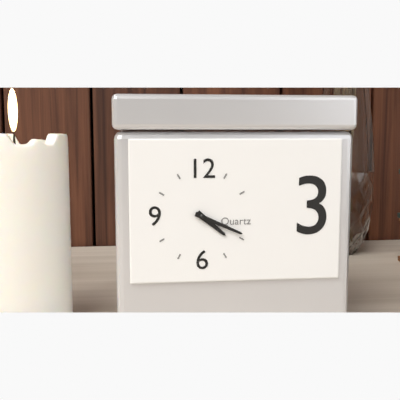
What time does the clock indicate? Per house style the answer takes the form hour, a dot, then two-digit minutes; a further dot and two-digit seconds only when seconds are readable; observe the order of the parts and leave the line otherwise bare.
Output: 4.19
